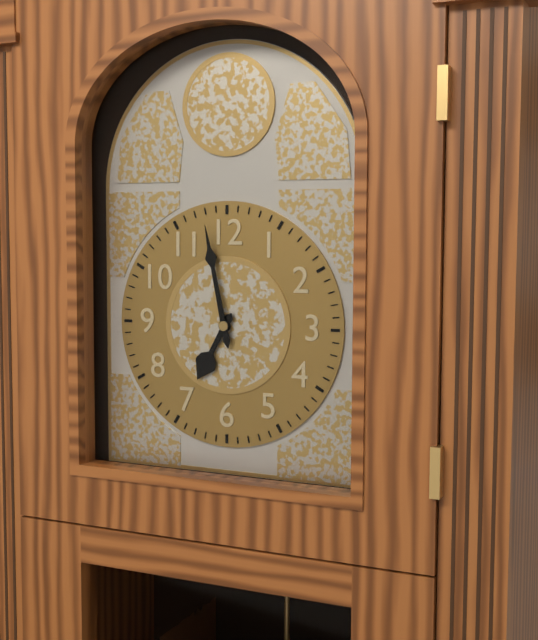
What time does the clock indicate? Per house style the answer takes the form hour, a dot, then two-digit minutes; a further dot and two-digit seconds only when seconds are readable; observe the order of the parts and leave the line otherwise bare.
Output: 6.58
